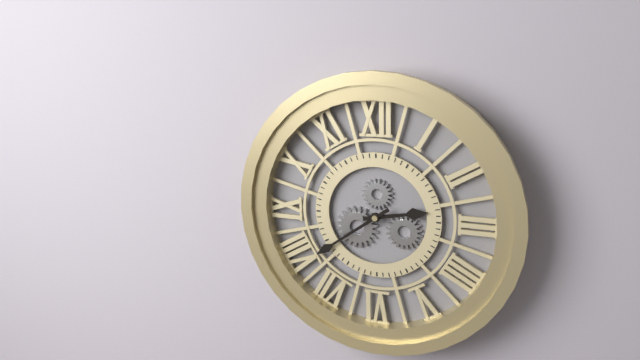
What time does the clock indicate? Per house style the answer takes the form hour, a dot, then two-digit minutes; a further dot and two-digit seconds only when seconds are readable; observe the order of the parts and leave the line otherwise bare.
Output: 2.39
